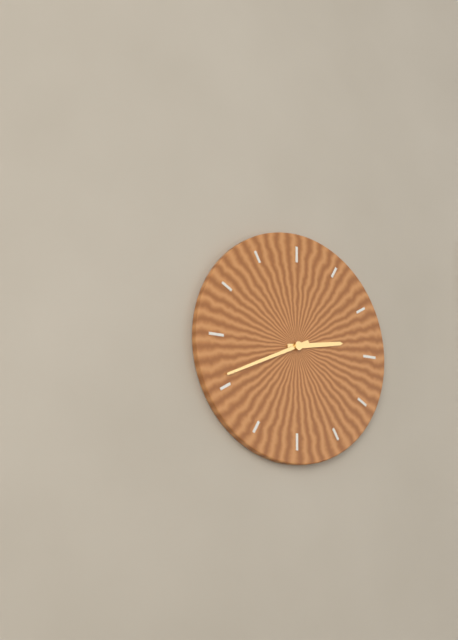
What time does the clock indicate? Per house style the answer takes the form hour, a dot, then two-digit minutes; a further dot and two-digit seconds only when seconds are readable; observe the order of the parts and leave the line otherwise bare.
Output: 2.41
